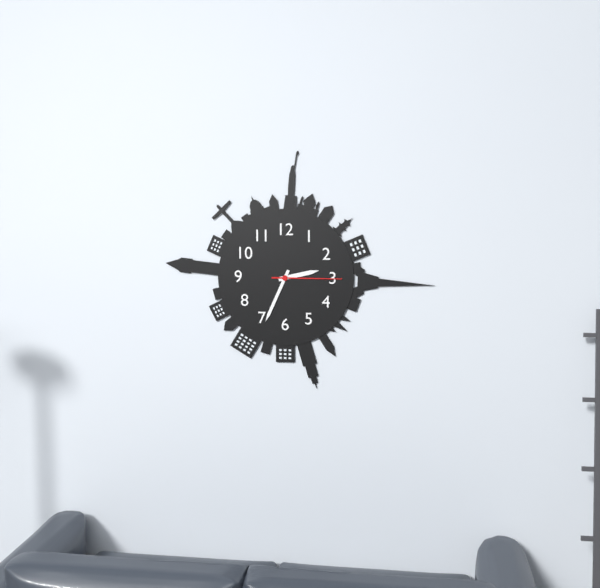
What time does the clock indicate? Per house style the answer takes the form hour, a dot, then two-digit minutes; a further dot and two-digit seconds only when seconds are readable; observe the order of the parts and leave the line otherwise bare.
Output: 2.34.15
